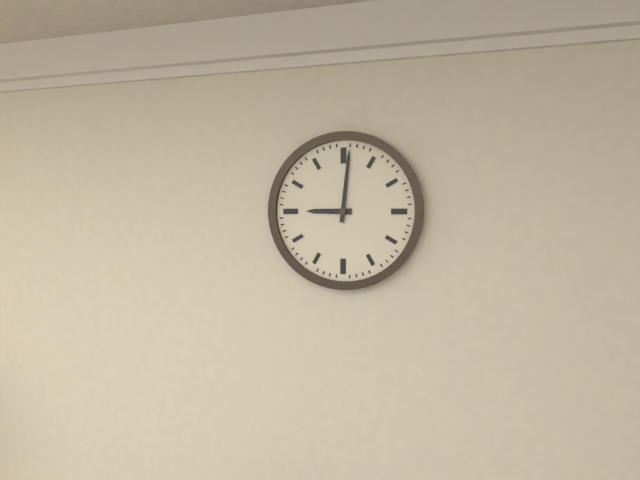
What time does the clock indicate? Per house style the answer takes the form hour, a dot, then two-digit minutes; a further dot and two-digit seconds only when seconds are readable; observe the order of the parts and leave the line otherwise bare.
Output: 9.01
